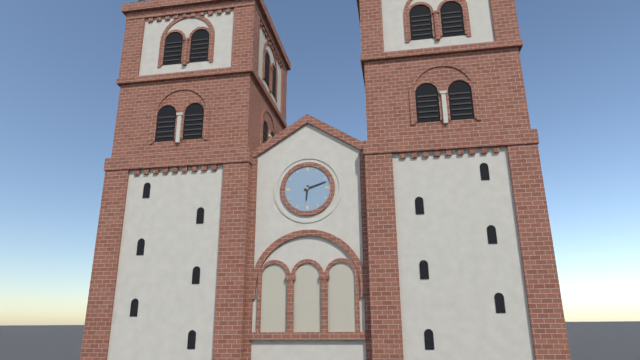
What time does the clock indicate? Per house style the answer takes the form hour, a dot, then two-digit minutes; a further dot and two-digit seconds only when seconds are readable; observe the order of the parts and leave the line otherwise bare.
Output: 6.12
